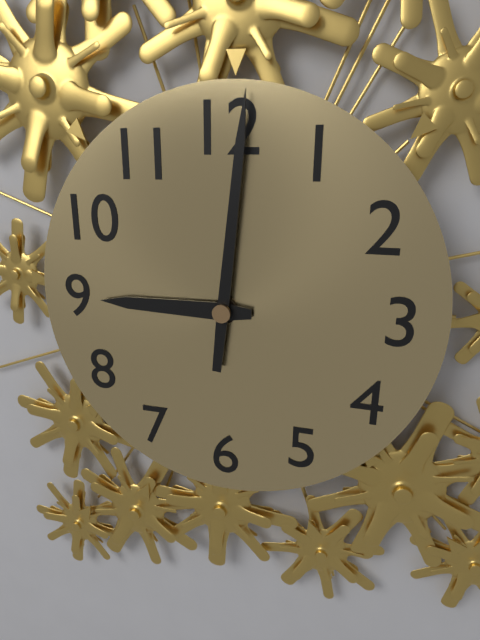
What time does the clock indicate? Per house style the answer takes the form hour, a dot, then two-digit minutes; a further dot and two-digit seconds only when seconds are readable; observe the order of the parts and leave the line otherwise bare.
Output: 9.01
